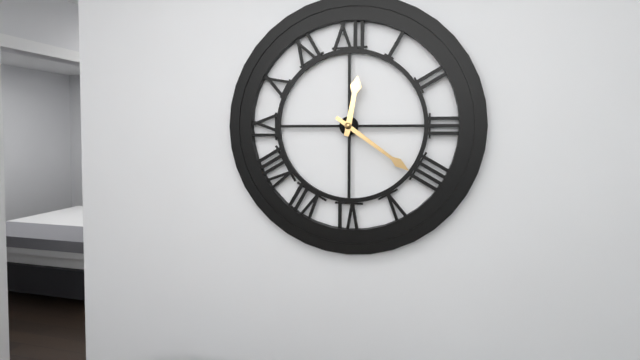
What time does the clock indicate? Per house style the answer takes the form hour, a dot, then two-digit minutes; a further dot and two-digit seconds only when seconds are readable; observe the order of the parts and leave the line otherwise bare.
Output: 12.21
